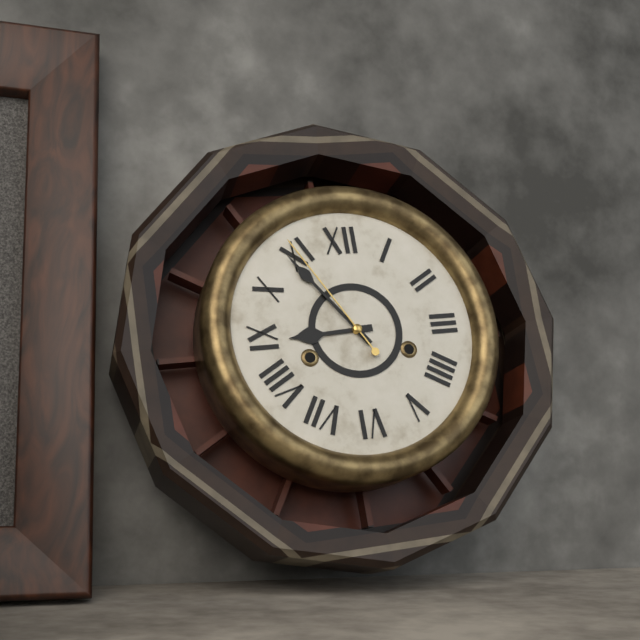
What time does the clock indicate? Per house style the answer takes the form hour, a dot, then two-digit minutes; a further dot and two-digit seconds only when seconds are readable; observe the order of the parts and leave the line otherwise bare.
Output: 8.54.55
